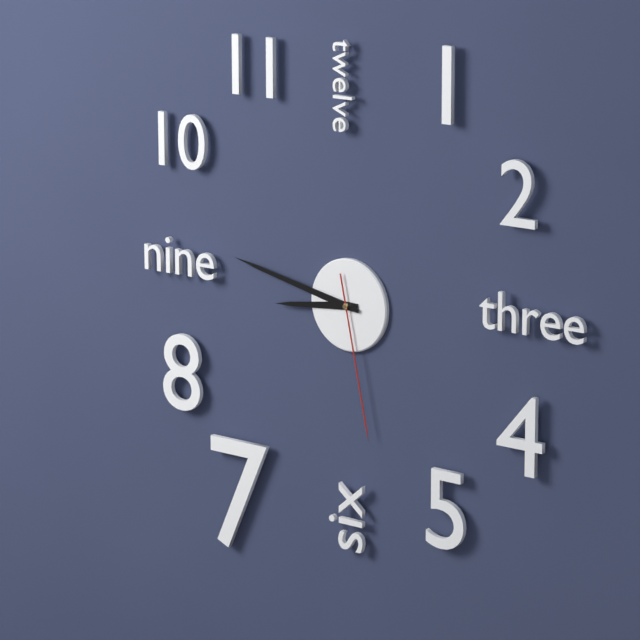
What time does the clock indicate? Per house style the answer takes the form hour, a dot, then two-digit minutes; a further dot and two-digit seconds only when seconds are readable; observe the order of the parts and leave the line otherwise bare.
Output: 8.47.28
